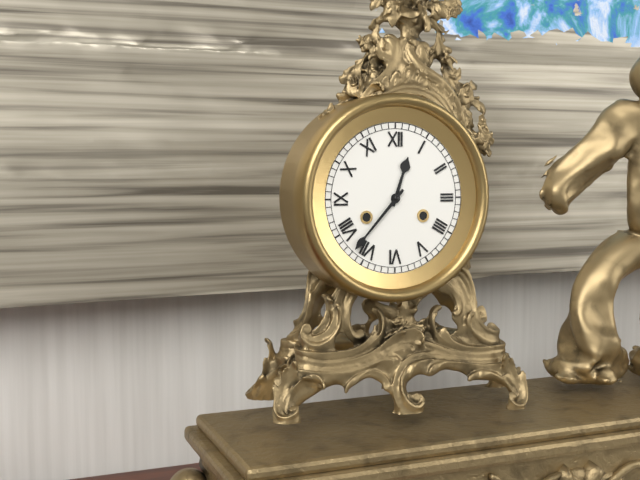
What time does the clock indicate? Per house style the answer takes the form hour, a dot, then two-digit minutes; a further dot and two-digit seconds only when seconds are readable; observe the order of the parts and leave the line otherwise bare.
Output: 12.37
